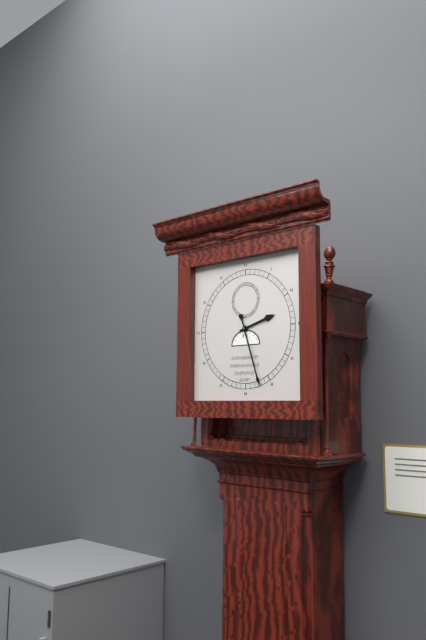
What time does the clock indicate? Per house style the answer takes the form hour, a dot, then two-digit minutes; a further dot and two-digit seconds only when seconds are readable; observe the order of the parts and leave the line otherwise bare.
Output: 2.27
